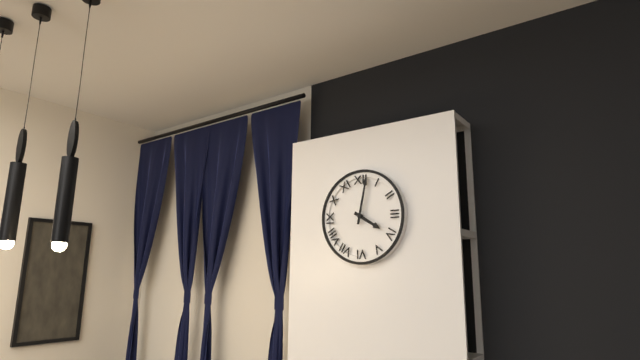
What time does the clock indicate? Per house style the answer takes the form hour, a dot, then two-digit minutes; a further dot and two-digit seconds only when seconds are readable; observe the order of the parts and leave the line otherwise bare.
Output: 4.02
